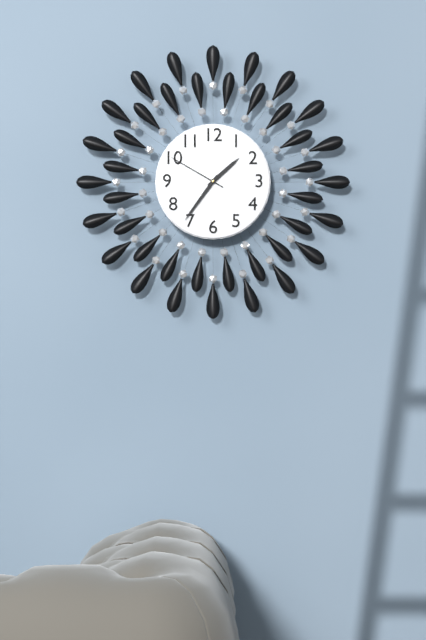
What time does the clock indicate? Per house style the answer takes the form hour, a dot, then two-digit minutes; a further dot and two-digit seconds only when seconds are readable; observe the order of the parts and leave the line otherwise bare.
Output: 1.36.50
